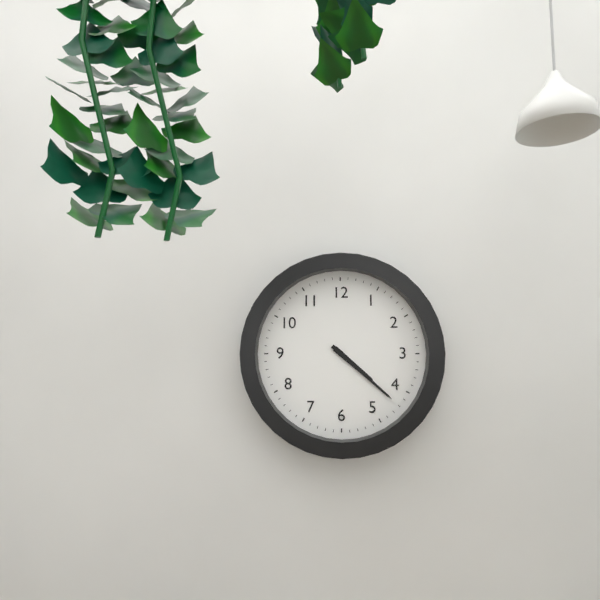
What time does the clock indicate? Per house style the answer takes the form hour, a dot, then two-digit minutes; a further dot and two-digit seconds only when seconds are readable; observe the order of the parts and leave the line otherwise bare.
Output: 4.22
